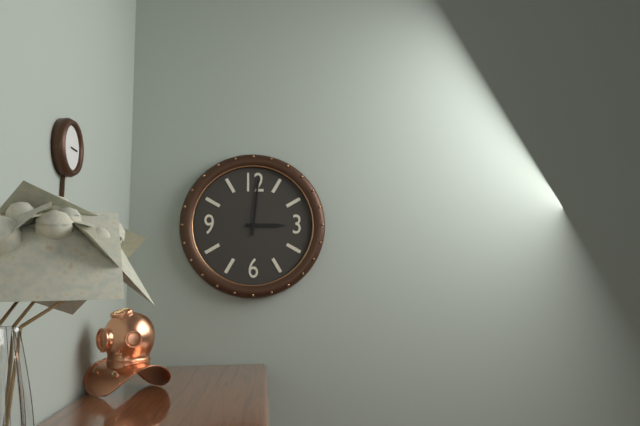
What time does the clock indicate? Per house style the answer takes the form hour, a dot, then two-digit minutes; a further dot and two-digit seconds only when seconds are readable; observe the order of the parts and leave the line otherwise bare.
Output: 3.01
